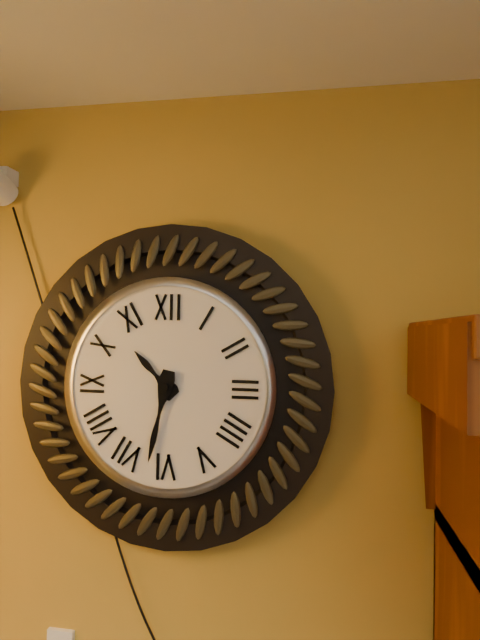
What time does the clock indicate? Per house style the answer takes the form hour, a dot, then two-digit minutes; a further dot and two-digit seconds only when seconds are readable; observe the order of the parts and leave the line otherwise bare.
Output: 10.32
